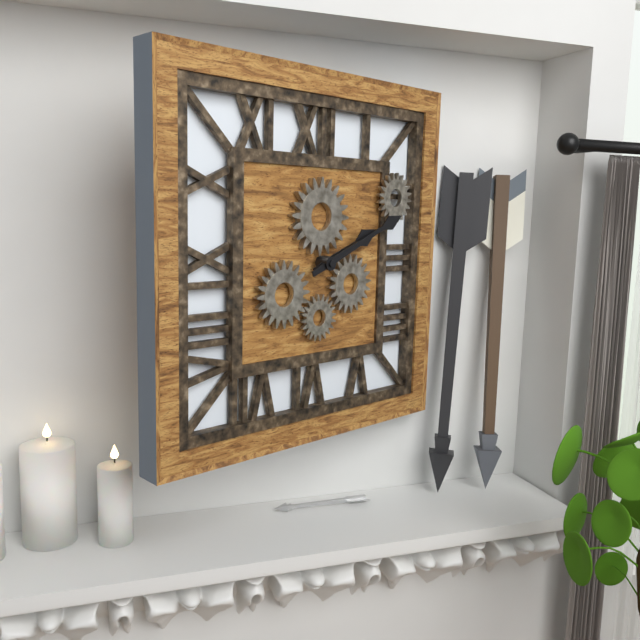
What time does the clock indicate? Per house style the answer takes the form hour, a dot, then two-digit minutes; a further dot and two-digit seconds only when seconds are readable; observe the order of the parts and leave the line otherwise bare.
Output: 2.11
